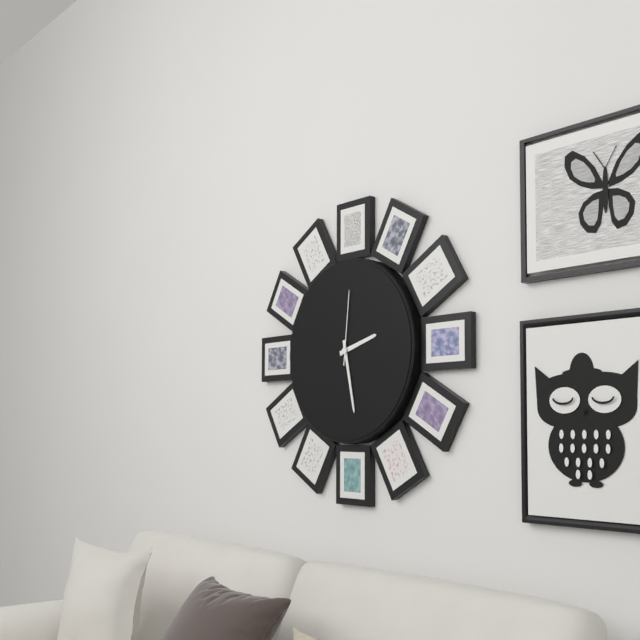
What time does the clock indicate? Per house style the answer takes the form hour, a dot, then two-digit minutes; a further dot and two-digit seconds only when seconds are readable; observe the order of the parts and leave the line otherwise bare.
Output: 2.28.01
